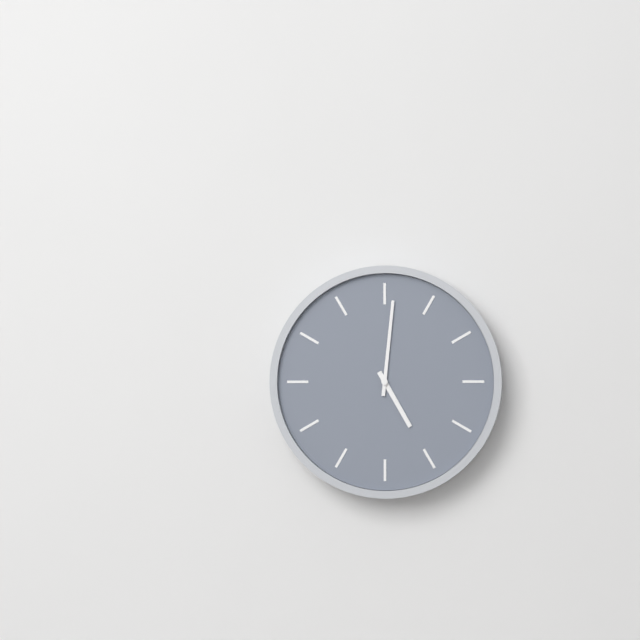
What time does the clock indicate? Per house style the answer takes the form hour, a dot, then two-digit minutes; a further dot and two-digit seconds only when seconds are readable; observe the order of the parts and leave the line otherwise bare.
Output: 5.01
